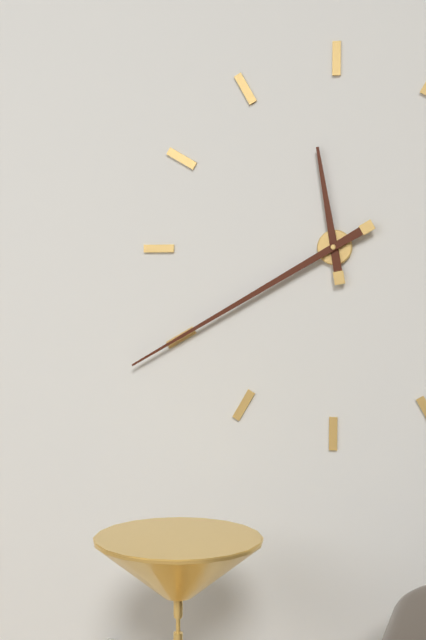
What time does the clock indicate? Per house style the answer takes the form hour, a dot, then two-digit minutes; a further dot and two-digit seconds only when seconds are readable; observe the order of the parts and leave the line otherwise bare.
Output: 11.40
